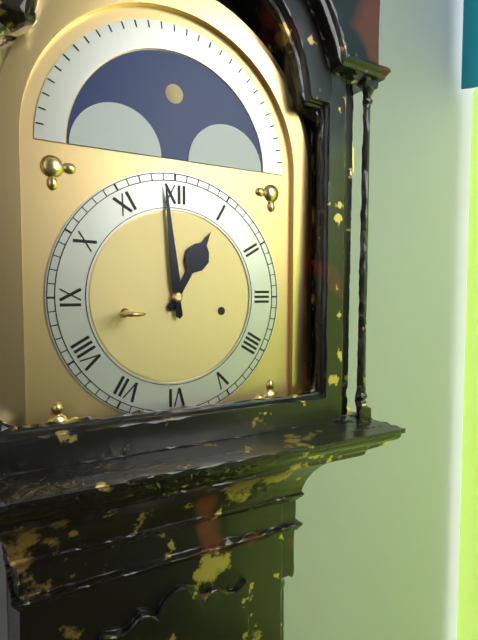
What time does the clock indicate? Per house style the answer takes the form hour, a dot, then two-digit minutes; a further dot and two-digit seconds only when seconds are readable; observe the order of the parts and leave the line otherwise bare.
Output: 12.59
